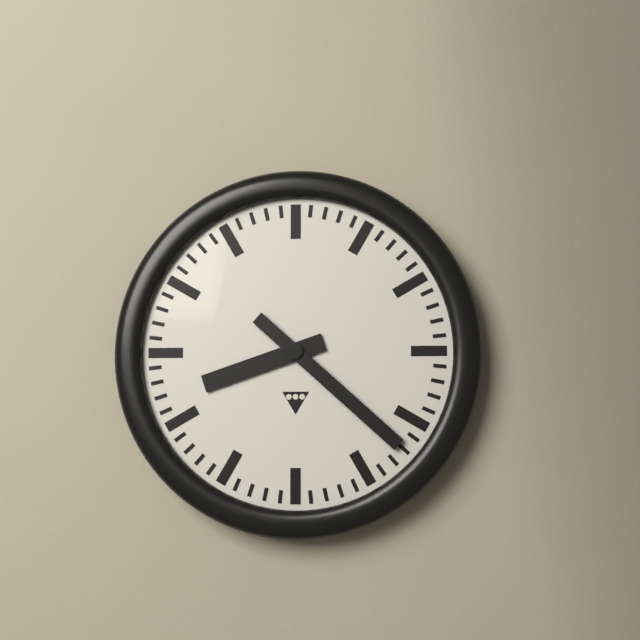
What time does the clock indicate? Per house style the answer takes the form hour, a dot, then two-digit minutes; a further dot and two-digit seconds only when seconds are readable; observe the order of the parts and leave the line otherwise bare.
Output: 8.22
